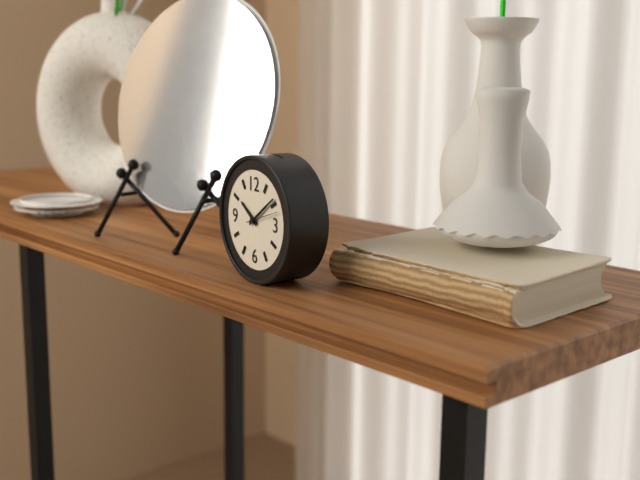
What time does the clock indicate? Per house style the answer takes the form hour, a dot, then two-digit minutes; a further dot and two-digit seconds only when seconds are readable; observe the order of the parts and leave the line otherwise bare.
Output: 10.09
